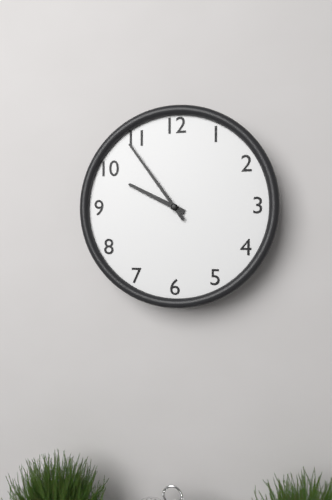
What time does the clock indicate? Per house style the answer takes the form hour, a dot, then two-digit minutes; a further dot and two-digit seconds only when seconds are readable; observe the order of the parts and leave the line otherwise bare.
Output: 9.54
